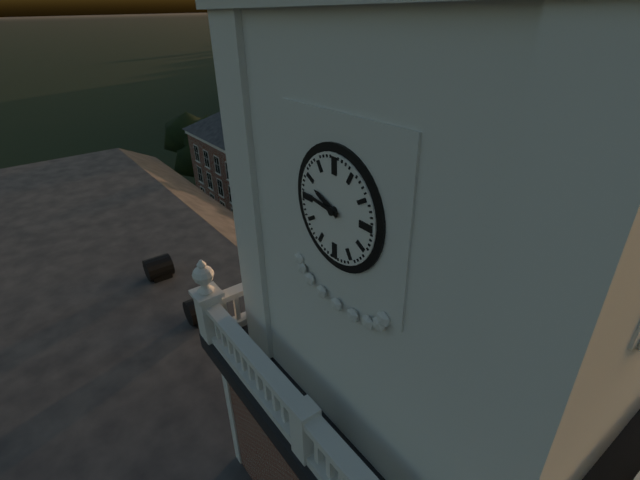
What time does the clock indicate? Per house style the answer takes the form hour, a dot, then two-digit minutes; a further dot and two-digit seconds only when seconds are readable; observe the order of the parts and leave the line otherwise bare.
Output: 9.46
